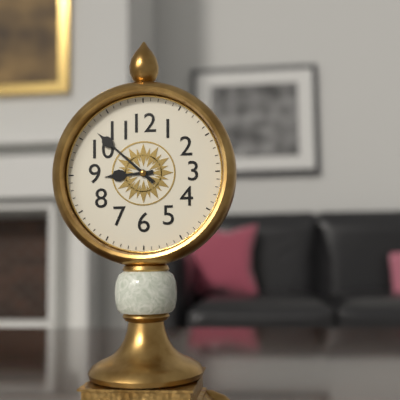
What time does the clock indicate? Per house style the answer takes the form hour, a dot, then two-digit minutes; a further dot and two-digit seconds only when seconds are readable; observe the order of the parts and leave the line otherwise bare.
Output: 8.52
